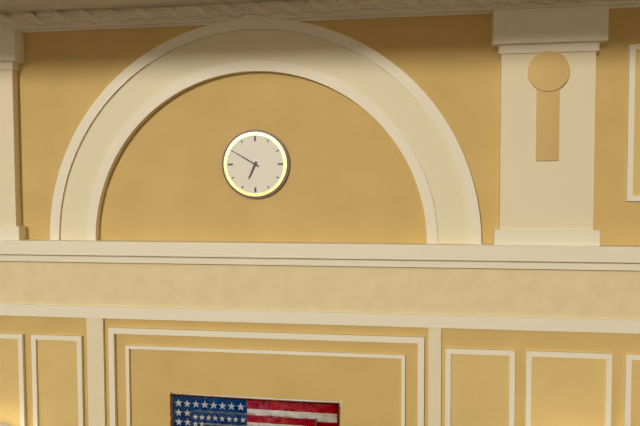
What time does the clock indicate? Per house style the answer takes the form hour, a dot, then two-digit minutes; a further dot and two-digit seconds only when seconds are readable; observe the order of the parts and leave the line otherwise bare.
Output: 6.50
